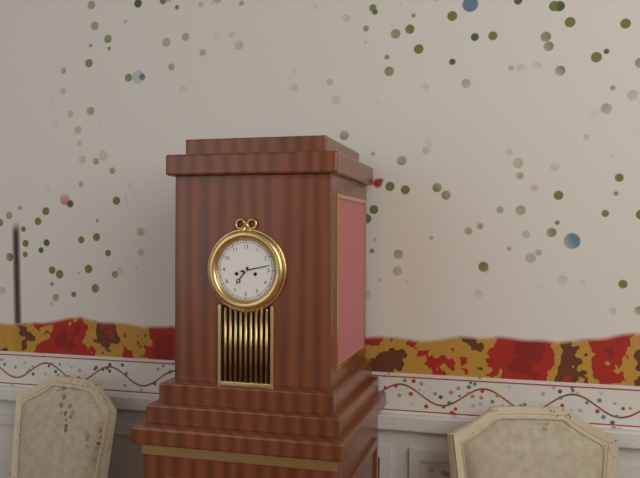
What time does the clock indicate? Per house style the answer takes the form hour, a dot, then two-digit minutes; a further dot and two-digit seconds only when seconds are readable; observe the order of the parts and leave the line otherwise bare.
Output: 7.13
